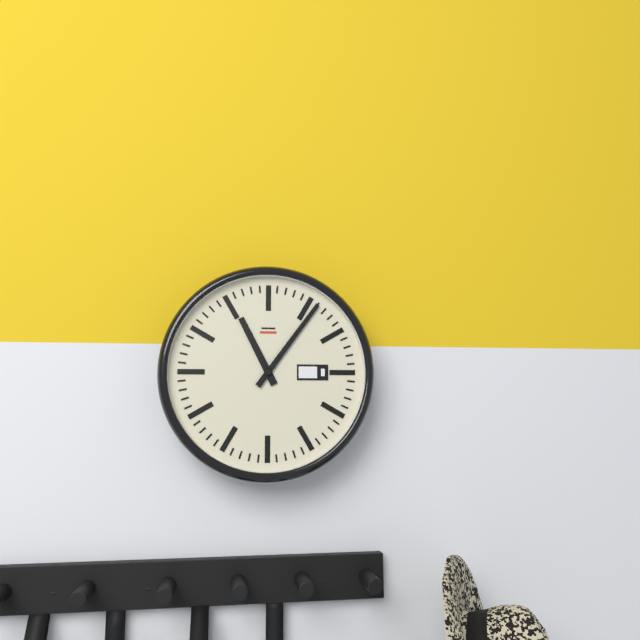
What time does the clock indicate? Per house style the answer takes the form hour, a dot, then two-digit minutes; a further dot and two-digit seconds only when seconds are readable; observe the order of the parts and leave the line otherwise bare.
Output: 11.06
